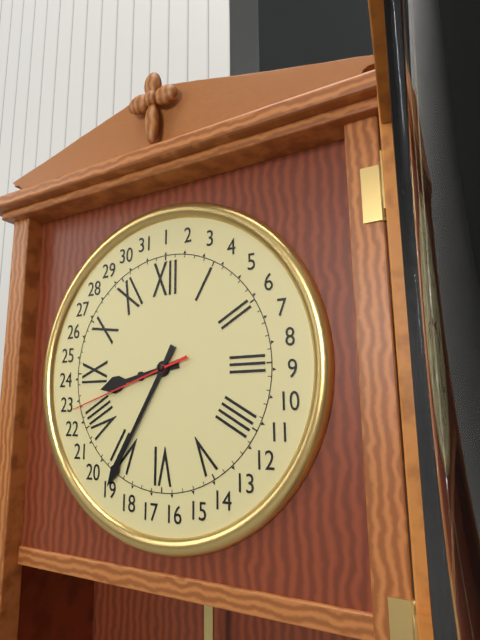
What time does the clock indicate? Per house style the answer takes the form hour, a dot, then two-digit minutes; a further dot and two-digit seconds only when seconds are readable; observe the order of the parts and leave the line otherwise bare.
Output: 8.35.42
